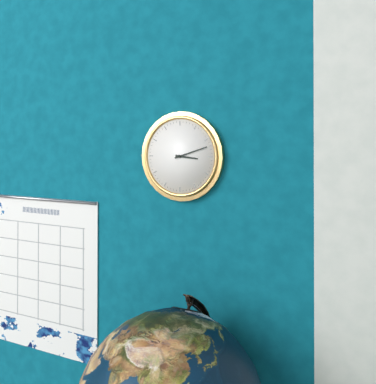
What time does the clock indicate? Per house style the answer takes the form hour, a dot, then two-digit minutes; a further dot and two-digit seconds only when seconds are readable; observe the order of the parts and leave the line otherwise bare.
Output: 3.12
